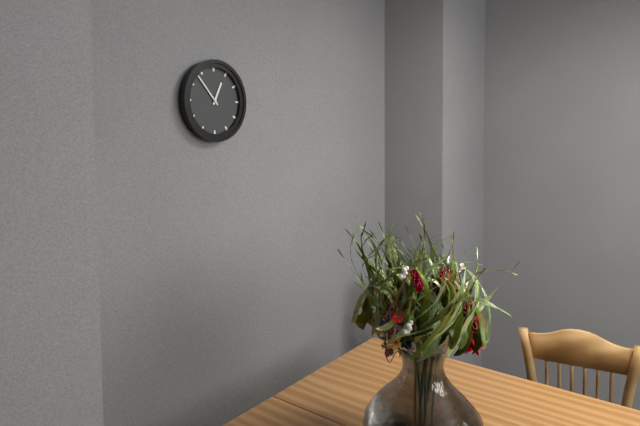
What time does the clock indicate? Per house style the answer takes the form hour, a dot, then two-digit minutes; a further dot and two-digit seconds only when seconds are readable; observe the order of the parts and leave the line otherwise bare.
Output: 12.53
